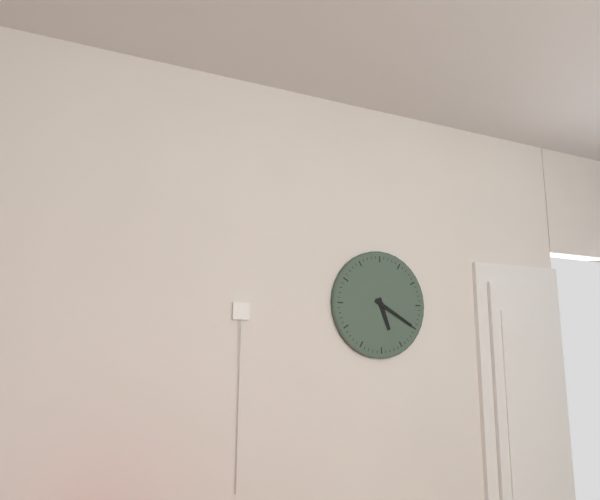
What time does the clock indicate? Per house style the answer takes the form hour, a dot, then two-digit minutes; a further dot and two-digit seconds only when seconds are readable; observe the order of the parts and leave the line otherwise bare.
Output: 5.20
